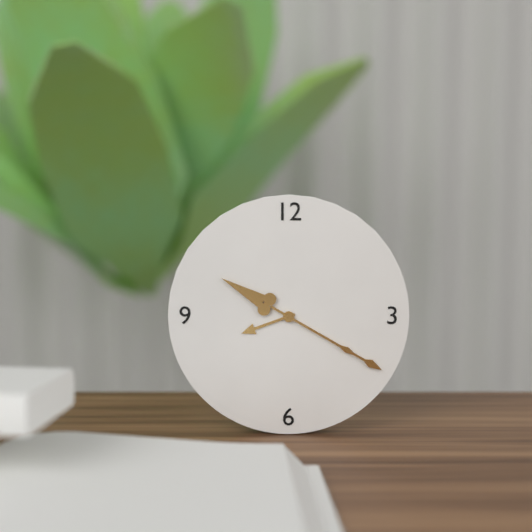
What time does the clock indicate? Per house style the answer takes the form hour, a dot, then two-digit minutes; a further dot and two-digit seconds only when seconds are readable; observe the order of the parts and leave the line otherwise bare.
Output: 8.20
